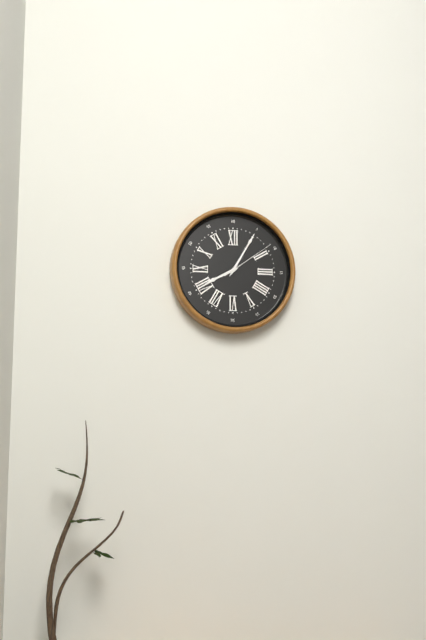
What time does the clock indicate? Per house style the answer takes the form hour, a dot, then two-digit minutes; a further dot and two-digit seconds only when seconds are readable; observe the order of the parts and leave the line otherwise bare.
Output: 8.05.09
